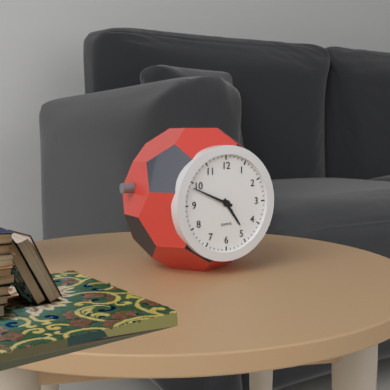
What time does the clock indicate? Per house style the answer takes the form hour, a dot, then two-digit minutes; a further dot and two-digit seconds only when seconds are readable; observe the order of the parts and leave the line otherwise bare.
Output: 4.49
